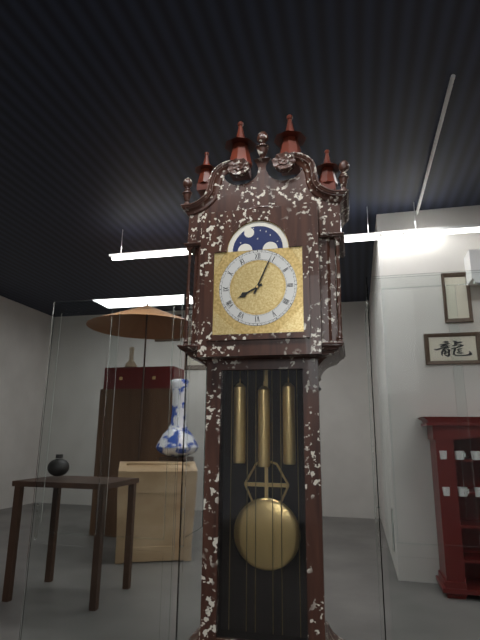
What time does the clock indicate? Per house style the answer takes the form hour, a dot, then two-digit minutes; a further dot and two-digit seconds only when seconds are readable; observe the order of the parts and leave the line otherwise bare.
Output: 8.04
